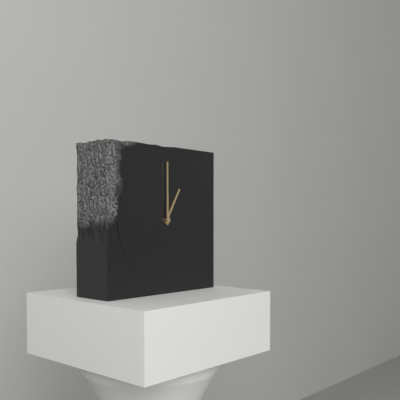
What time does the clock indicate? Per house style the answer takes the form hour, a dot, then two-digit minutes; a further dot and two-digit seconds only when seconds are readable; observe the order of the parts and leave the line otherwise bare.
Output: 1.00
